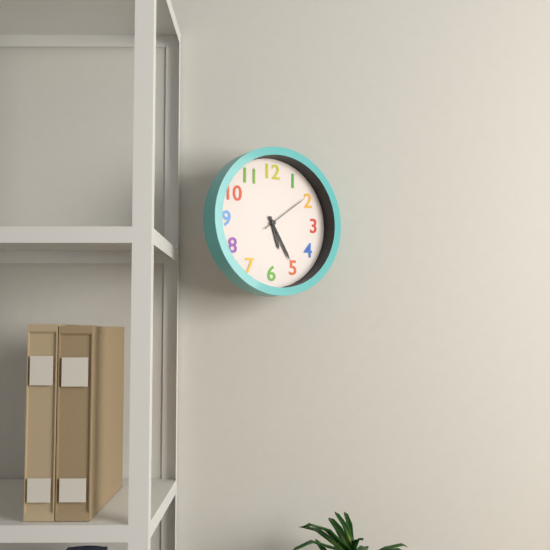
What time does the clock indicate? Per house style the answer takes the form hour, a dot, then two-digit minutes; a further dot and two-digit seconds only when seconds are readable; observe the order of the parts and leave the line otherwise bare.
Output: 5.25.09
